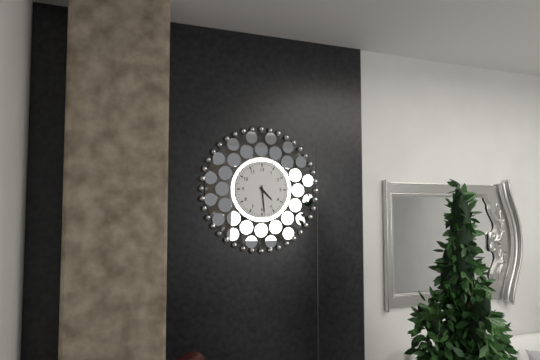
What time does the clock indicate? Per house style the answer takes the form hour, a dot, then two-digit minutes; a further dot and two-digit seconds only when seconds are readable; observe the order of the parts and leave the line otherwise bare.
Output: 4.29
